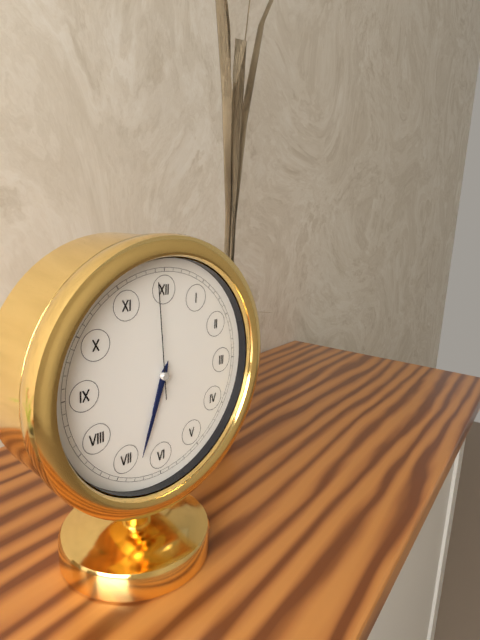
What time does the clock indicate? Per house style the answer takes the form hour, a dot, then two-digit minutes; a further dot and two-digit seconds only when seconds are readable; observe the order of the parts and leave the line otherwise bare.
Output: 6.33.59
